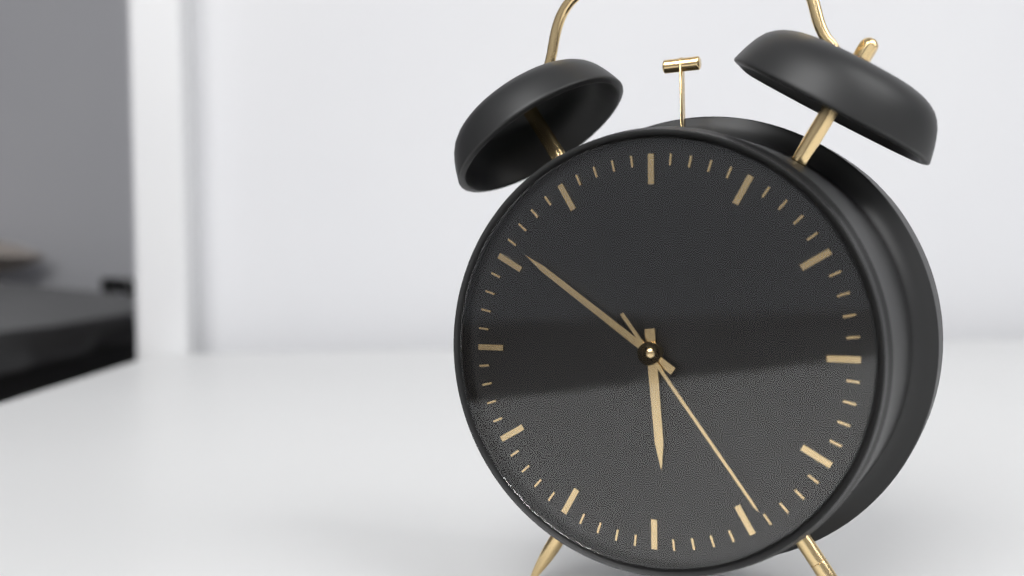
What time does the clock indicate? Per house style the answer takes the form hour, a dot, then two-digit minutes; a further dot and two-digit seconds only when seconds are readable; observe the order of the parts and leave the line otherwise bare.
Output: 5.51.24
